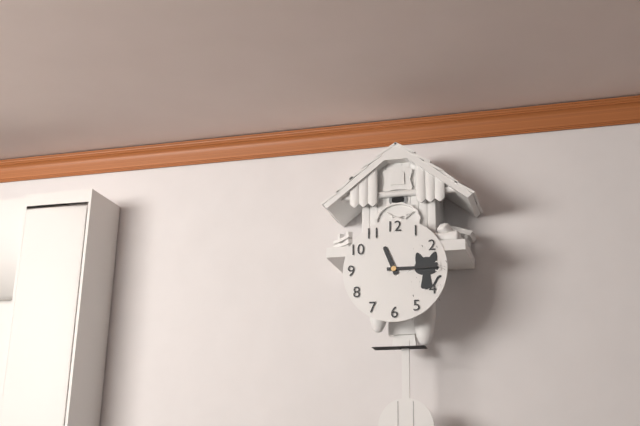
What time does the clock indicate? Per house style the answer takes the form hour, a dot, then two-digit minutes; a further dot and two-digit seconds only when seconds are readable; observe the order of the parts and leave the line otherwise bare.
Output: 11.15
